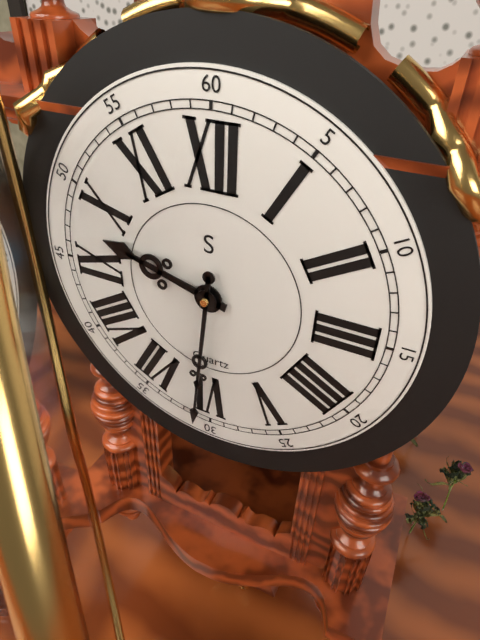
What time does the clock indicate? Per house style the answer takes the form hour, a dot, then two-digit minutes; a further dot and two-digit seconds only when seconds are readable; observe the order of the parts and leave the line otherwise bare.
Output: 9.31
